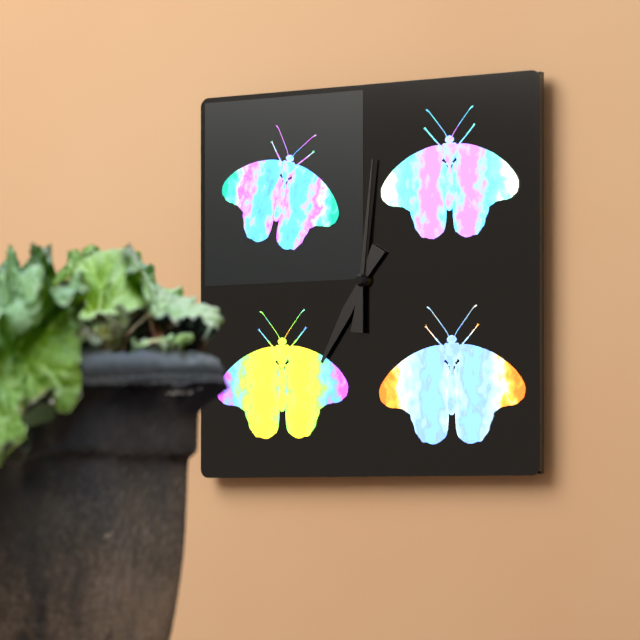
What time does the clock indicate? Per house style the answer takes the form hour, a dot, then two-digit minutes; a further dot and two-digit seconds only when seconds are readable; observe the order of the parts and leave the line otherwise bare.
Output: 7.01
